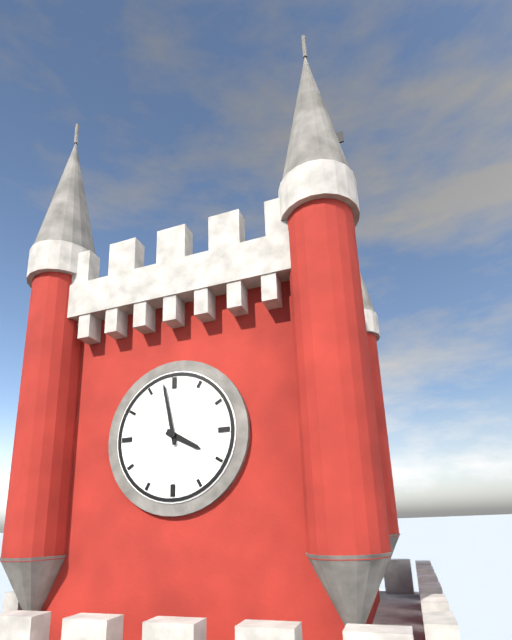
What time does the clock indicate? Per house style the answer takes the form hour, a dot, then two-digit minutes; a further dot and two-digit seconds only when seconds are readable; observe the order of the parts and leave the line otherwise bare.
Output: 3.58
